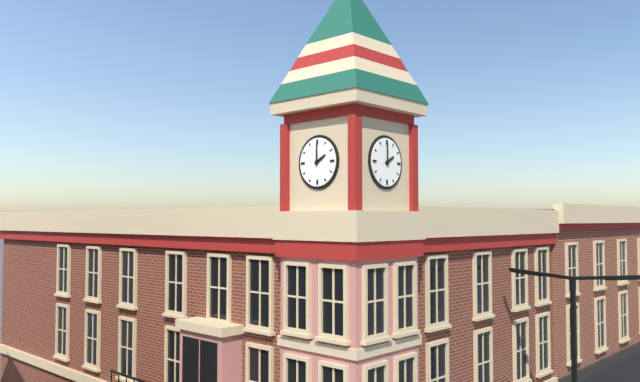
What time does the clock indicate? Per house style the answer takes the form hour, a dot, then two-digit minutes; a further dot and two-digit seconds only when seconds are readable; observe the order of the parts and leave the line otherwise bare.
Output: 2.00
